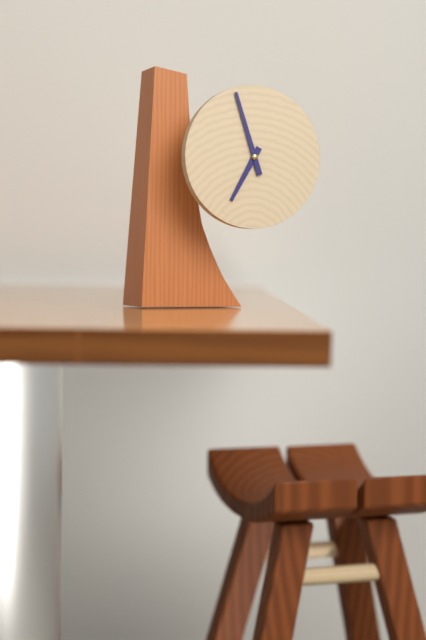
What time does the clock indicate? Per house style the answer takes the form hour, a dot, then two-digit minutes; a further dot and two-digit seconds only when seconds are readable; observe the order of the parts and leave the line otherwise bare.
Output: 6.57
